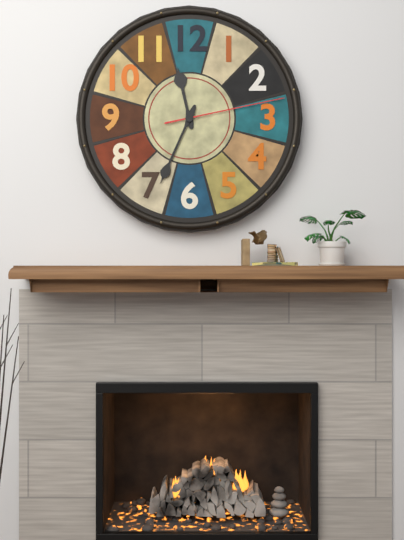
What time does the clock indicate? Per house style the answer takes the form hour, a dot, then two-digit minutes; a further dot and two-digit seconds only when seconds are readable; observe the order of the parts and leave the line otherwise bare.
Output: 11.34.13
